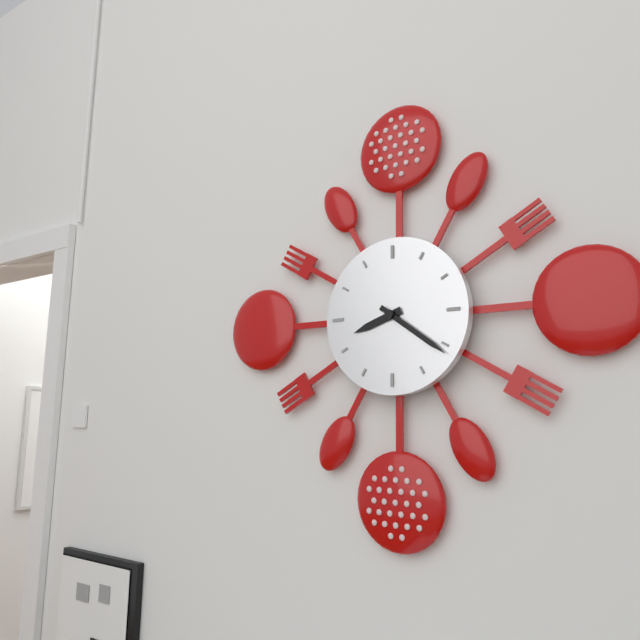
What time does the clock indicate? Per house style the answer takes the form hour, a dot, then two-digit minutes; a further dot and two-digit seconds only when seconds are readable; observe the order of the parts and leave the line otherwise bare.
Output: 8.21
